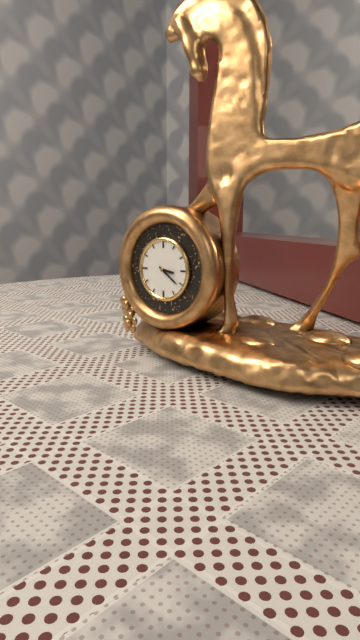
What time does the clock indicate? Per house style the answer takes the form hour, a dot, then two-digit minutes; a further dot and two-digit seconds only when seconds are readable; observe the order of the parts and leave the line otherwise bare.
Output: 3.21
